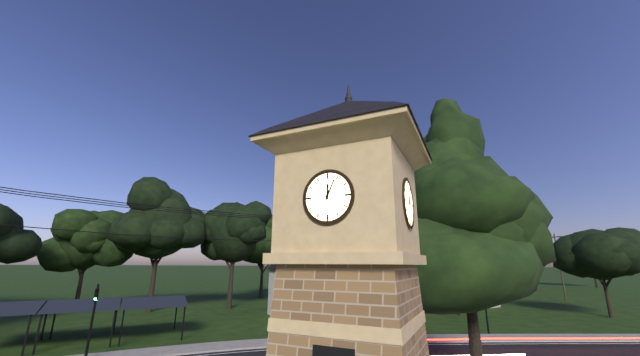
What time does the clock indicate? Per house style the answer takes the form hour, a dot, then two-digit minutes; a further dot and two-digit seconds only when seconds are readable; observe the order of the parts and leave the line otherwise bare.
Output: 12.04
